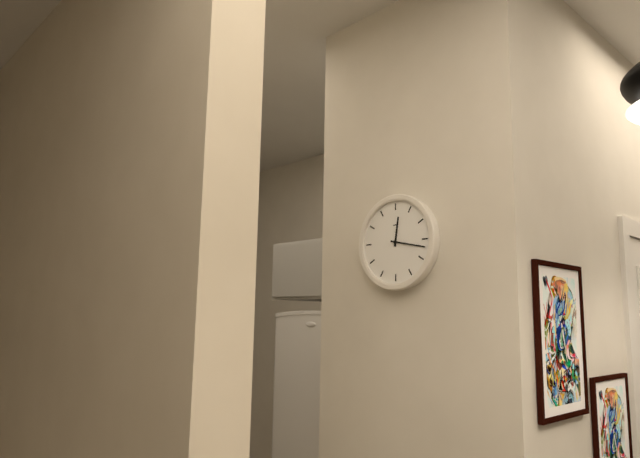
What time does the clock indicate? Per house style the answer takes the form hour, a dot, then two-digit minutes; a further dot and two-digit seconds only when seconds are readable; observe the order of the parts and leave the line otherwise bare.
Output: 12.17
